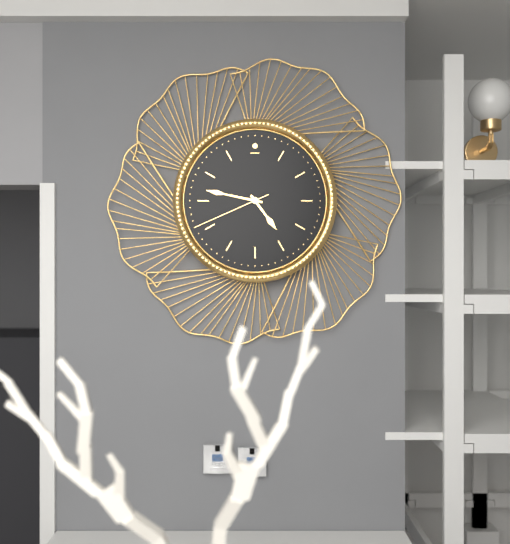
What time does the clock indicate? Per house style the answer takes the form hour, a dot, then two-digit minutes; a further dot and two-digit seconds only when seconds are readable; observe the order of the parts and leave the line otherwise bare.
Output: 4.47.41
